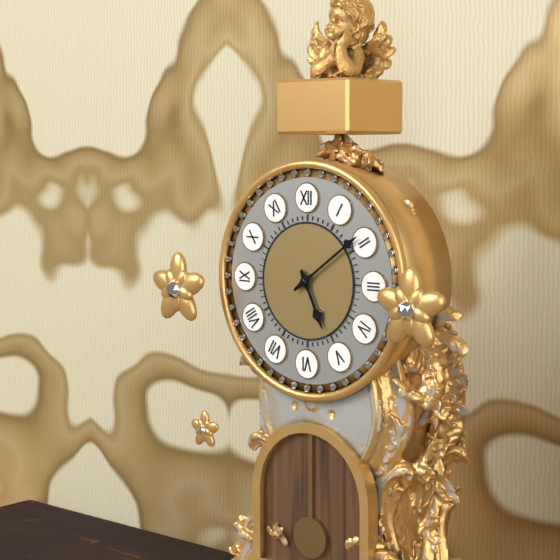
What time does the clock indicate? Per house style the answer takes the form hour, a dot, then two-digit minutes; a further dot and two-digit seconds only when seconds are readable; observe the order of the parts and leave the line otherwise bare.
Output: 5.09
